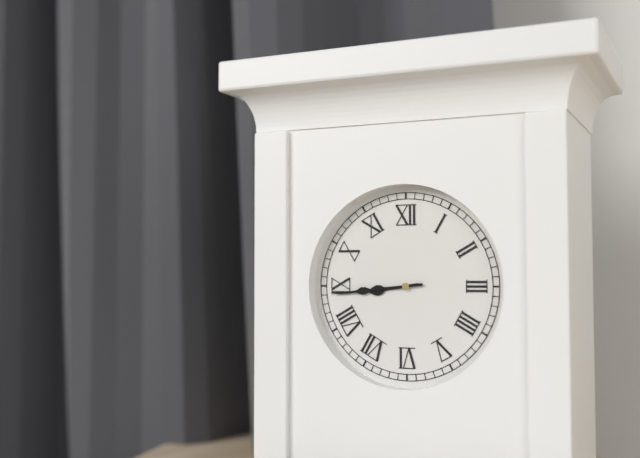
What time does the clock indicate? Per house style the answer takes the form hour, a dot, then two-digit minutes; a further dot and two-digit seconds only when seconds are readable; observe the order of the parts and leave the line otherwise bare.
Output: 8.44
